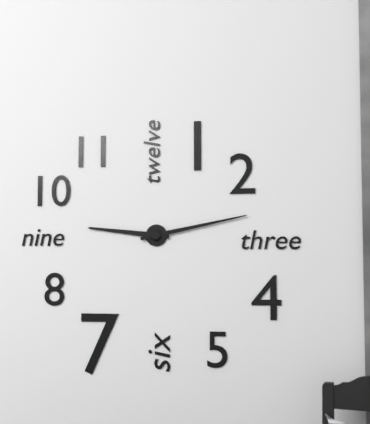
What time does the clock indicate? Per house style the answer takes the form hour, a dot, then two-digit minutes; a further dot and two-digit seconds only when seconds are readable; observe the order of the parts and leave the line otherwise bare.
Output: 9.13
